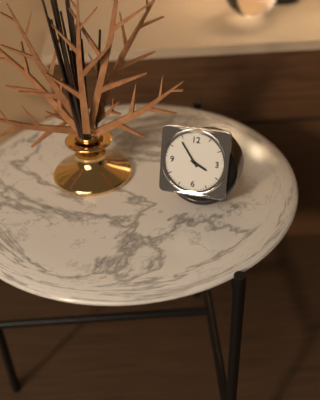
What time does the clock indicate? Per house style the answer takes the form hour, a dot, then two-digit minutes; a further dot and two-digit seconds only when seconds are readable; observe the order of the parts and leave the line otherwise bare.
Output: 3.54
